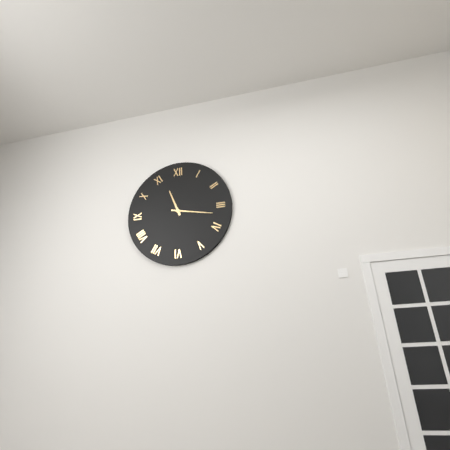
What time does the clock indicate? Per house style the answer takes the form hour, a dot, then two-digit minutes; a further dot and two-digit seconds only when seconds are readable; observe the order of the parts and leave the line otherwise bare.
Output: 11.17
